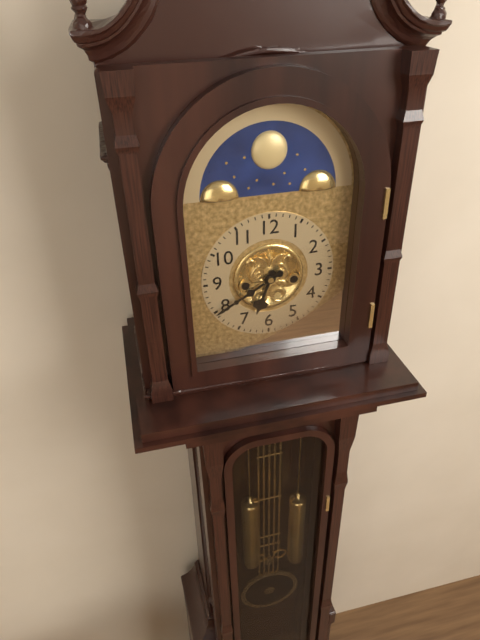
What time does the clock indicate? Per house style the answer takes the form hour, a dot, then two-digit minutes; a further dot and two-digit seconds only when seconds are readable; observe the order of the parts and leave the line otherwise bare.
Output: 6.40
